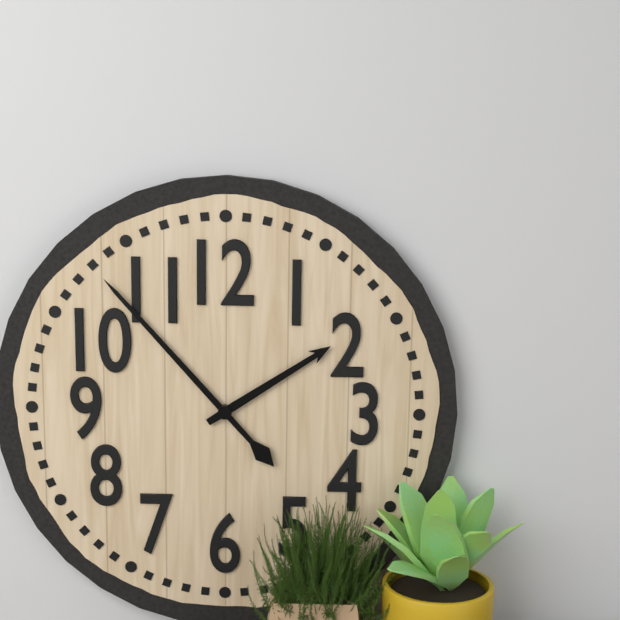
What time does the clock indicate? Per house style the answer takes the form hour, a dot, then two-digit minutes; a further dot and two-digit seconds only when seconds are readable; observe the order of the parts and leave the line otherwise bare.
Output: 1.53
